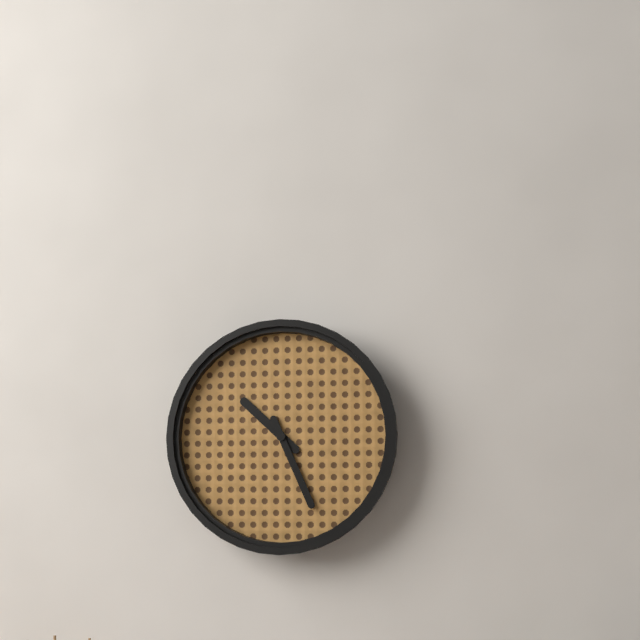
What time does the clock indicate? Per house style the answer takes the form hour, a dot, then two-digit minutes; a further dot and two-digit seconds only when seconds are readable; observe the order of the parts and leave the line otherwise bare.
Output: 10.26
